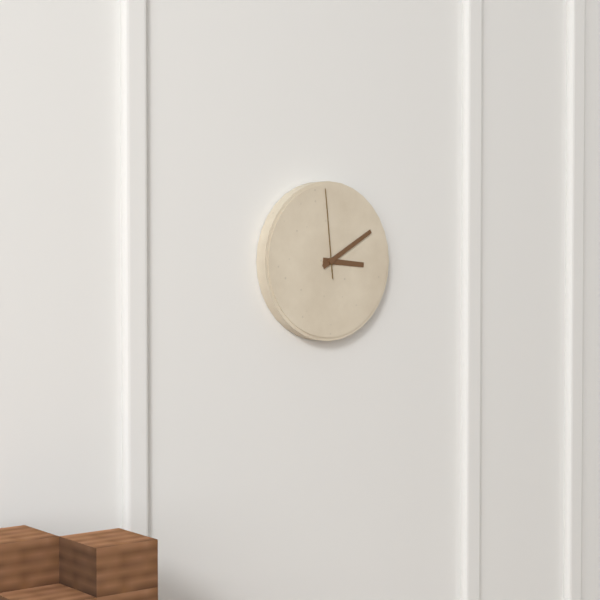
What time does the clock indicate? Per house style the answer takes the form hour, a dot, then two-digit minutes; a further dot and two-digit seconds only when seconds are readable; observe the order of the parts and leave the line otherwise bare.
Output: 3.10.59
